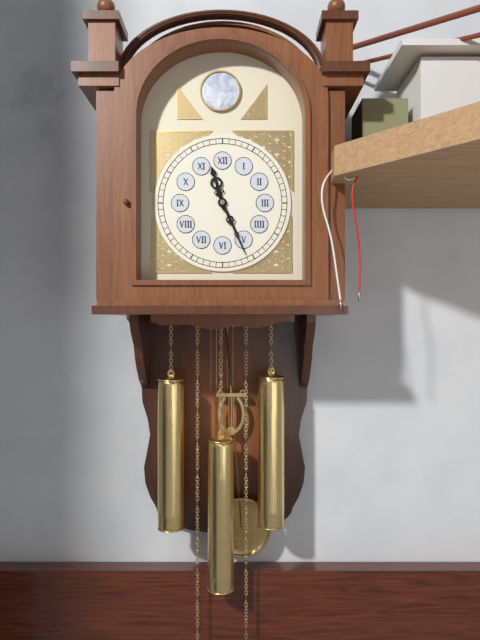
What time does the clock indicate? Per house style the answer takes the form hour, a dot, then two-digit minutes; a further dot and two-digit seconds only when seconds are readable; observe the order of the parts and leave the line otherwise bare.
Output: 11.26
